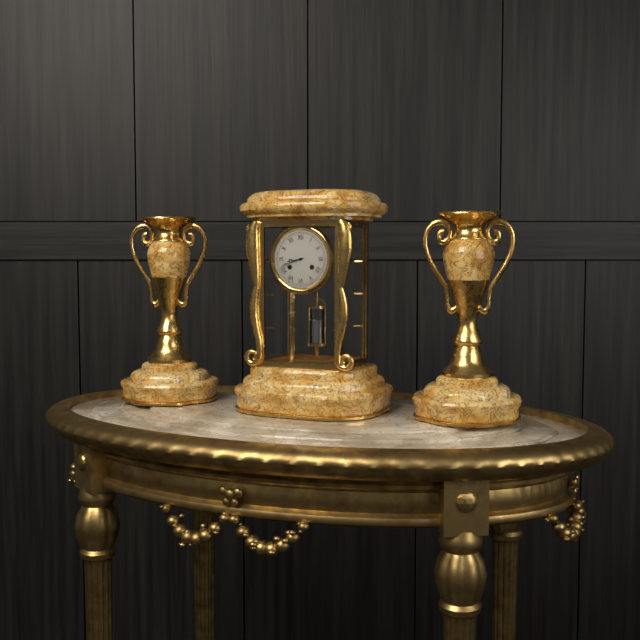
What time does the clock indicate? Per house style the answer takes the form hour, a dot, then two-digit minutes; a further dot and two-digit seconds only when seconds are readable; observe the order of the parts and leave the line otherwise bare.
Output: 8.42
